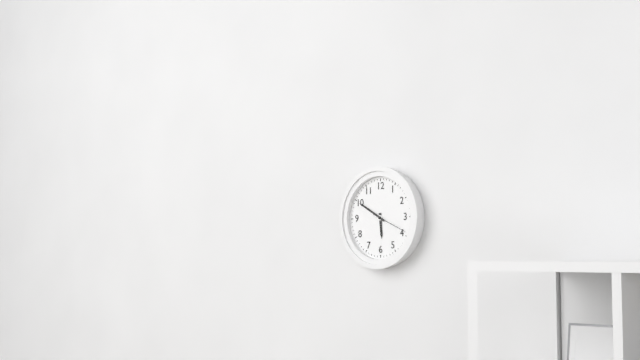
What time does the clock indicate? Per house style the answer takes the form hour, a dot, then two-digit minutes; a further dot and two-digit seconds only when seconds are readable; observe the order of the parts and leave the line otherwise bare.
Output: 5.50
